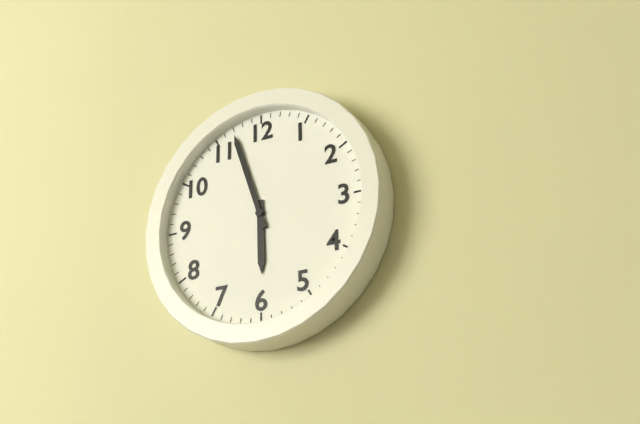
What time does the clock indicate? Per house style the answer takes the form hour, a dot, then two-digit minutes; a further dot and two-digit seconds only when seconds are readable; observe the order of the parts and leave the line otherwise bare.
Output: 5.57
